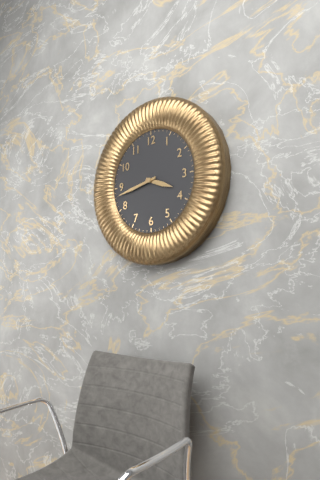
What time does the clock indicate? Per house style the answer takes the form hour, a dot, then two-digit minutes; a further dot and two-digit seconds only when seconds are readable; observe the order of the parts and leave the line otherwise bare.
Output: 3.43
